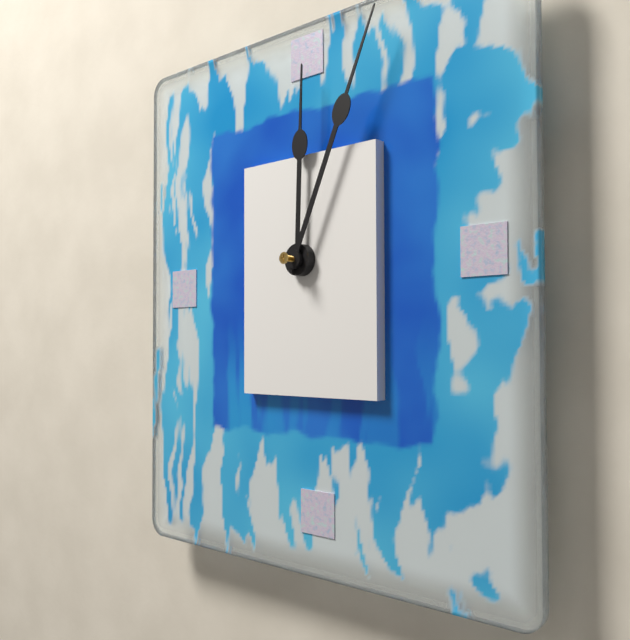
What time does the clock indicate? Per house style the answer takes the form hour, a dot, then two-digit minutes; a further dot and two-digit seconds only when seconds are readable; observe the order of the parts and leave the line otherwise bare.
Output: 12.04
